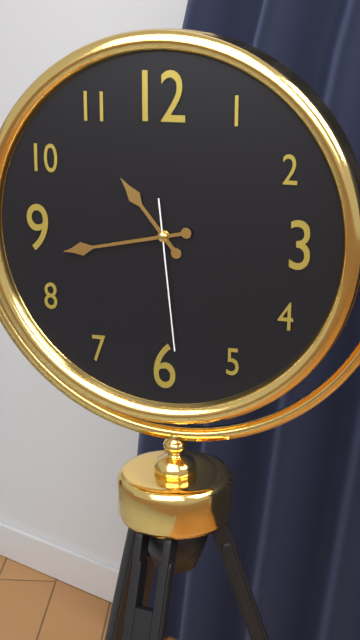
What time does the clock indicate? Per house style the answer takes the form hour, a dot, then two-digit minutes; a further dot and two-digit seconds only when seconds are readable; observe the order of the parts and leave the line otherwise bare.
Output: 10.43.29
